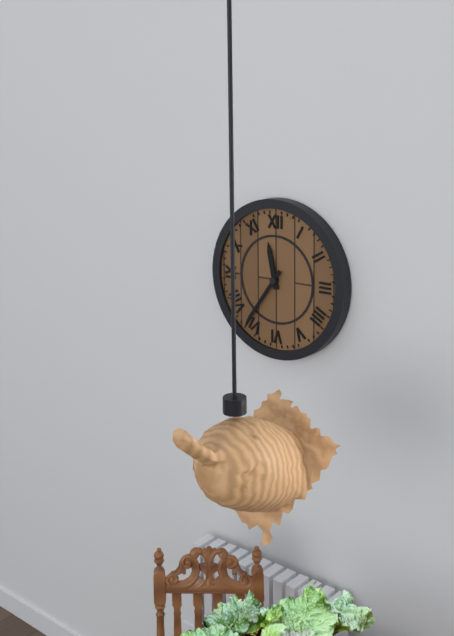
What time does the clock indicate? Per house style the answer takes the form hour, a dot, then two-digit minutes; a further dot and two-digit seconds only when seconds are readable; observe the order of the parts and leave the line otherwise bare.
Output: 11.36
